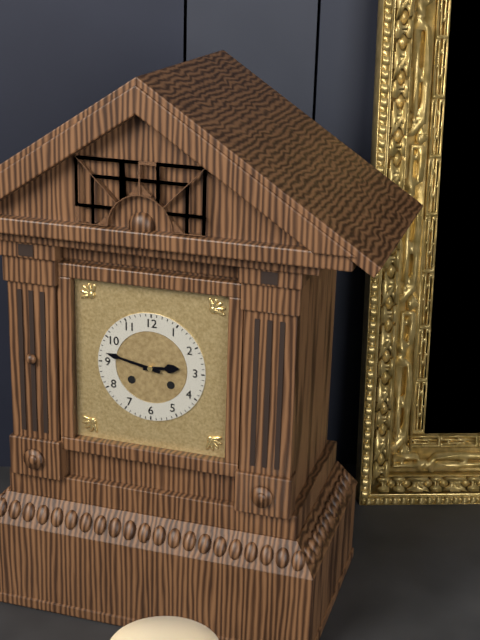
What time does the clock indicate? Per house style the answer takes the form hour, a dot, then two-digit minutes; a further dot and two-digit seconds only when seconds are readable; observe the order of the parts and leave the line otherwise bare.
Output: 2.47
